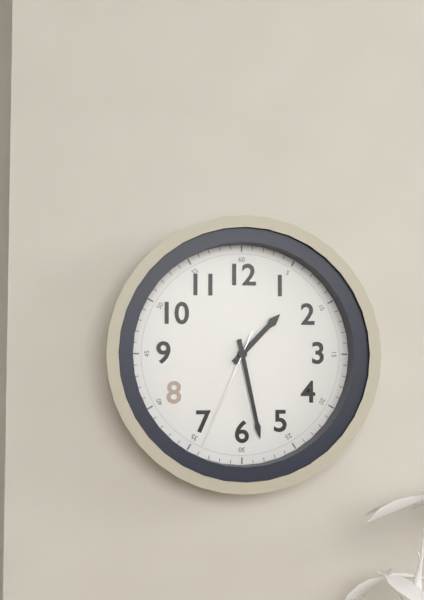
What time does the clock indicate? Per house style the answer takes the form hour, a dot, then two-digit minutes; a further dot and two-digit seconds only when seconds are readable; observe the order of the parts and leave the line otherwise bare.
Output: 1.28.34
